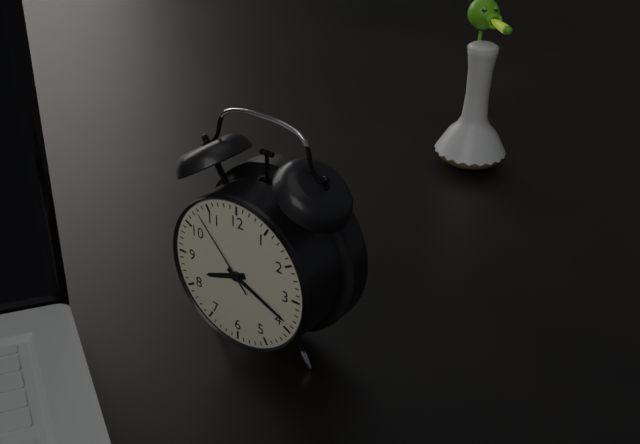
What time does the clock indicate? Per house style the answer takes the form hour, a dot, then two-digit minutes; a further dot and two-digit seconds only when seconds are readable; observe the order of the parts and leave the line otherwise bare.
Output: 8.19.53
